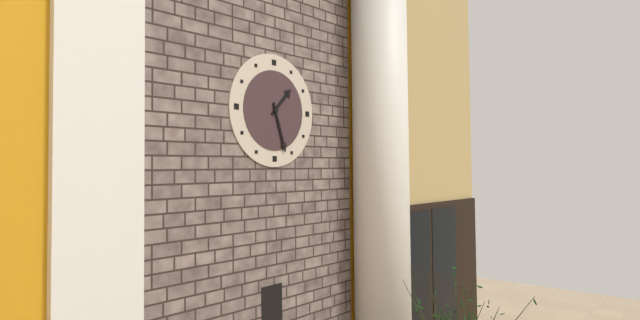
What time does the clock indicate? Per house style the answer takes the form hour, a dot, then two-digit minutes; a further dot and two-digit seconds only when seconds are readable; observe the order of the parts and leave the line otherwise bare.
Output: 1.27
